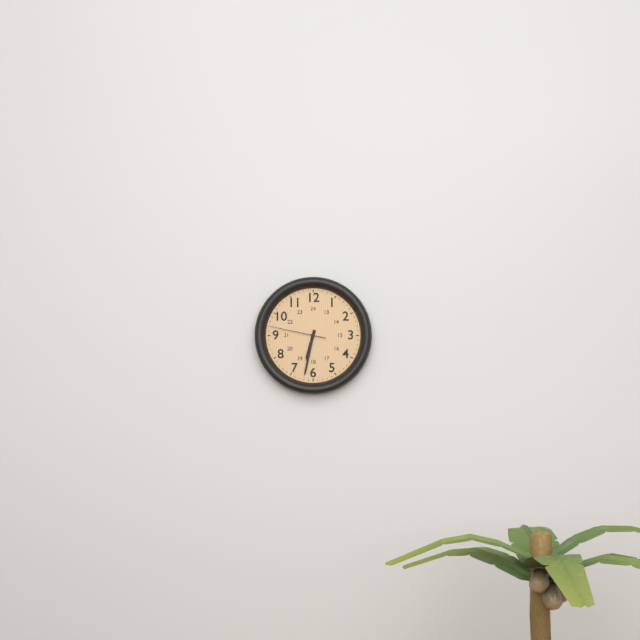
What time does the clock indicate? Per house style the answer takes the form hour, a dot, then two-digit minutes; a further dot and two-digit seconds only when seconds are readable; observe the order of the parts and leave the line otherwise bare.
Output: 6.32.47
